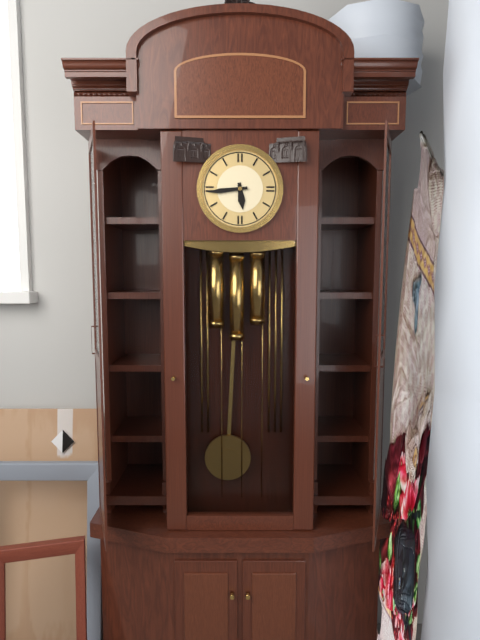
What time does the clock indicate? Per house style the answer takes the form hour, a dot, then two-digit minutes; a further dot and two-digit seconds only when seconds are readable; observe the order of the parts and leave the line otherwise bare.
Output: 5.44
